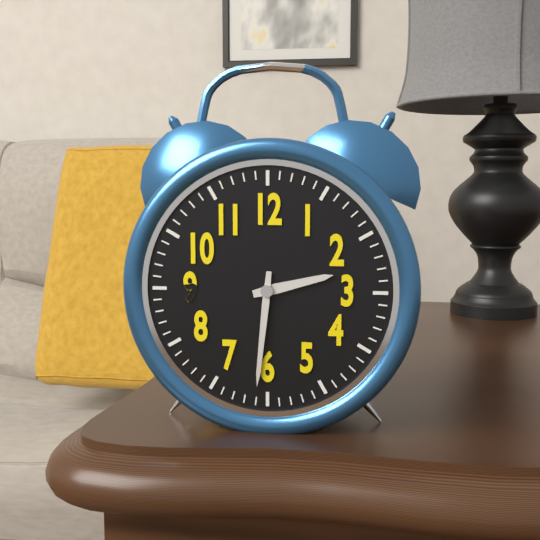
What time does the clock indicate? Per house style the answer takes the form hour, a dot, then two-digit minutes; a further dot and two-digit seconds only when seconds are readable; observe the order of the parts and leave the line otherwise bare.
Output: 2.31
